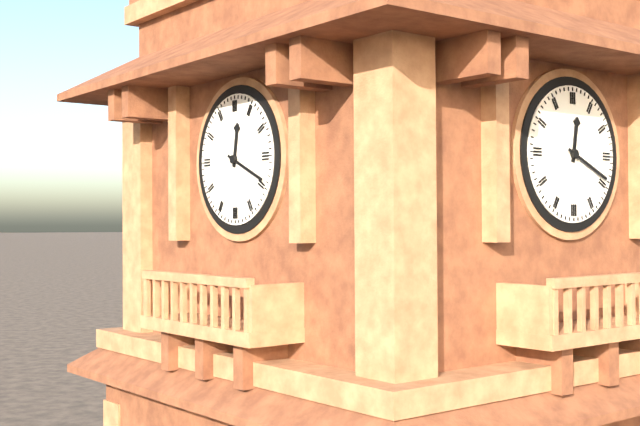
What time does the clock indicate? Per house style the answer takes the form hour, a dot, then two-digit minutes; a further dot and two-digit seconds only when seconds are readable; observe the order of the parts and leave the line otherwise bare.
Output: 12.19
